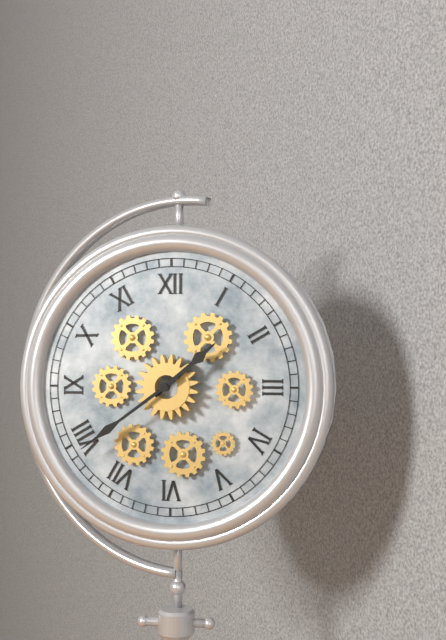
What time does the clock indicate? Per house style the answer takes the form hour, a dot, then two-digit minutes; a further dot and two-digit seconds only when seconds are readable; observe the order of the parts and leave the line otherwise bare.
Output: 1.39
